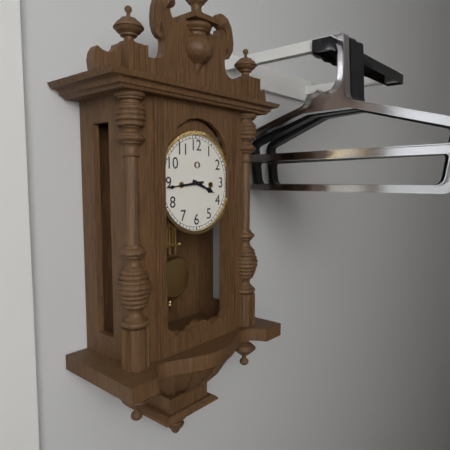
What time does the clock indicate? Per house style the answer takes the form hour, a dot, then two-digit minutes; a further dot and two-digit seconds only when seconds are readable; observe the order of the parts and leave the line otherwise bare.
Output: 3.44
